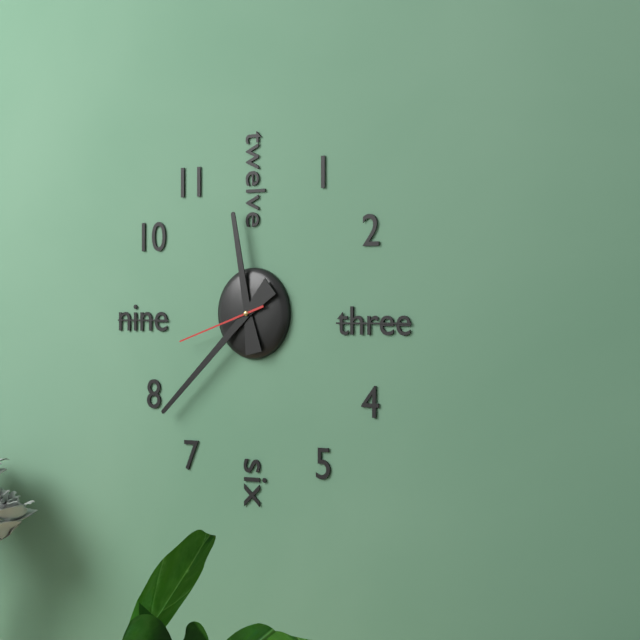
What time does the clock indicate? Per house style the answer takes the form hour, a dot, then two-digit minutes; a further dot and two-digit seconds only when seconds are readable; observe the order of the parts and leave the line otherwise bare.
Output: 11.38.42
